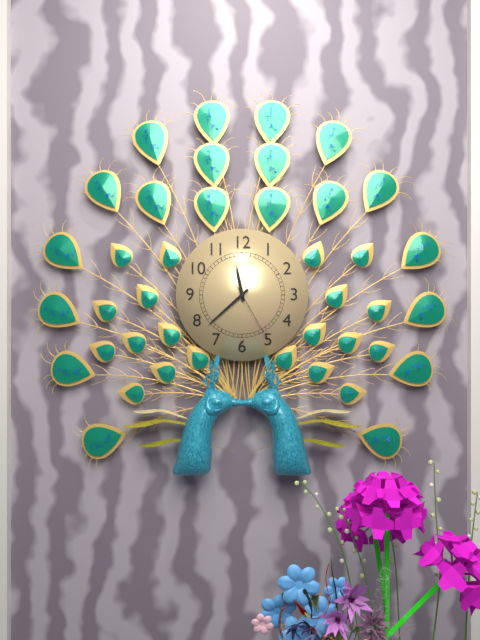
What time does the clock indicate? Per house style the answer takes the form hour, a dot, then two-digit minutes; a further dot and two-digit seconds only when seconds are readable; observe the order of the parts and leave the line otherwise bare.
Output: 11.38.25
